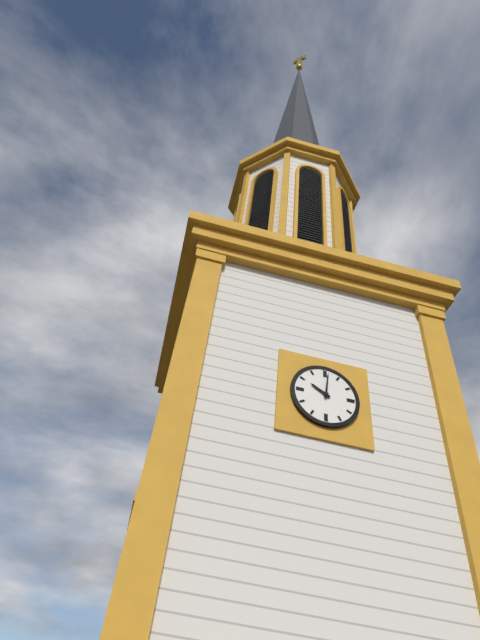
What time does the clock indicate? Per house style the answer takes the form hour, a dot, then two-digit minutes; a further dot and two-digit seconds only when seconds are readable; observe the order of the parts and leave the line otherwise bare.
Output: 10.01
